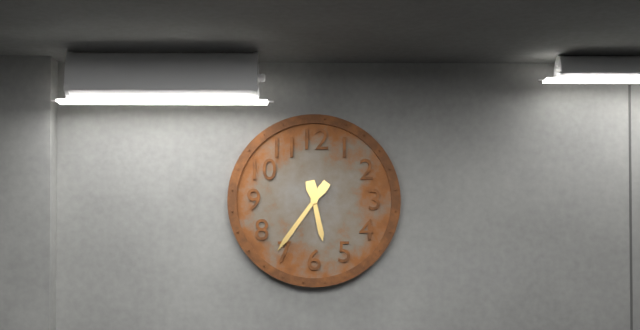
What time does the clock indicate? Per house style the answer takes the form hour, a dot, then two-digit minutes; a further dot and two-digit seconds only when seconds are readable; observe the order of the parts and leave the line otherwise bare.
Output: 5.36
